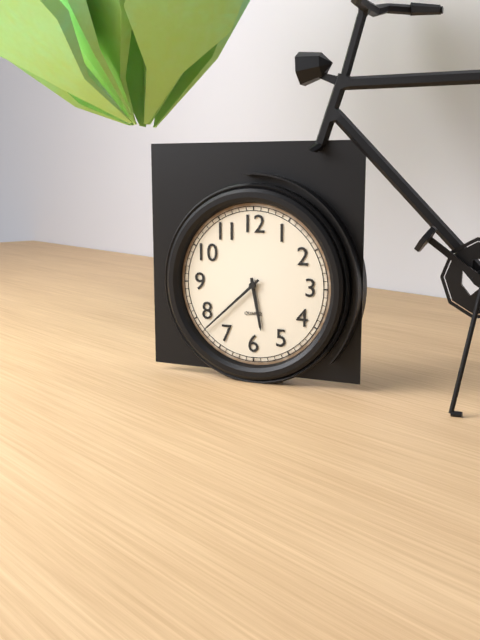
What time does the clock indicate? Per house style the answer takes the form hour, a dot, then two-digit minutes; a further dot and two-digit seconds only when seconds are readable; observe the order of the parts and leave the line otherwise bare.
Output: 5.38
